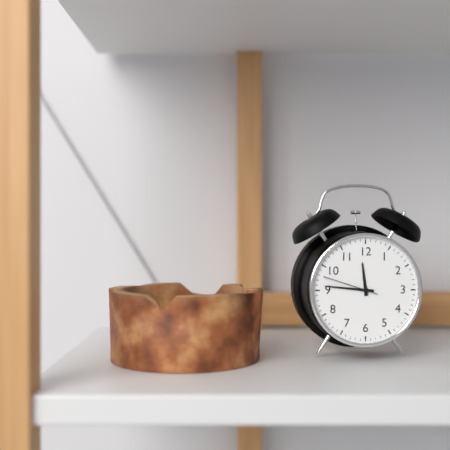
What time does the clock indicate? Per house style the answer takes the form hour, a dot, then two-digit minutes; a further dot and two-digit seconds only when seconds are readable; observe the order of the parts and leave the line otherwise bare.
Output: 11.46.48
